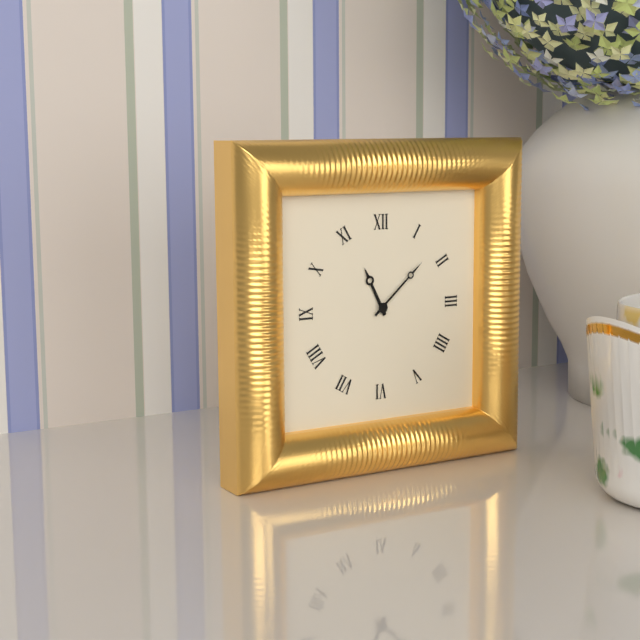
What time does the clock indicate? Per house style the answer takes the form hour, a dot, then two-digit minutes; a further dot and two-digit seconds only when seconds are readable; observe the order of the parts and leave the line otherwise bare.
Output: 11.08
